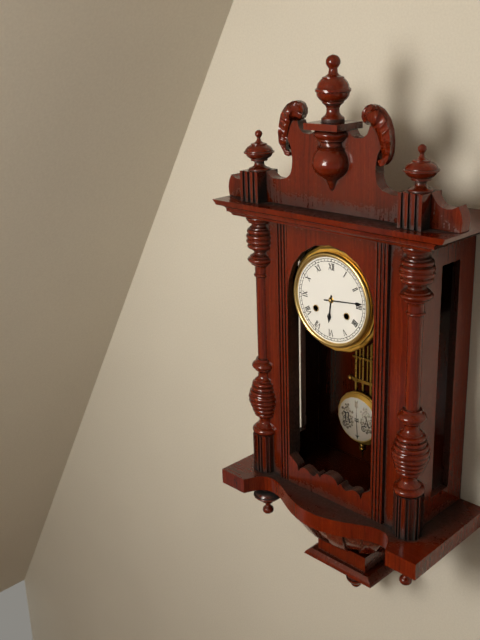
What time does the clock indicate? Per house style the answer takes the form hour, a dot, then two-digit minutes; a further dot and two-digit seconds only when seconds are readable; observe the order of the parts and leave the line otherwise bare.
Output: 6.14
